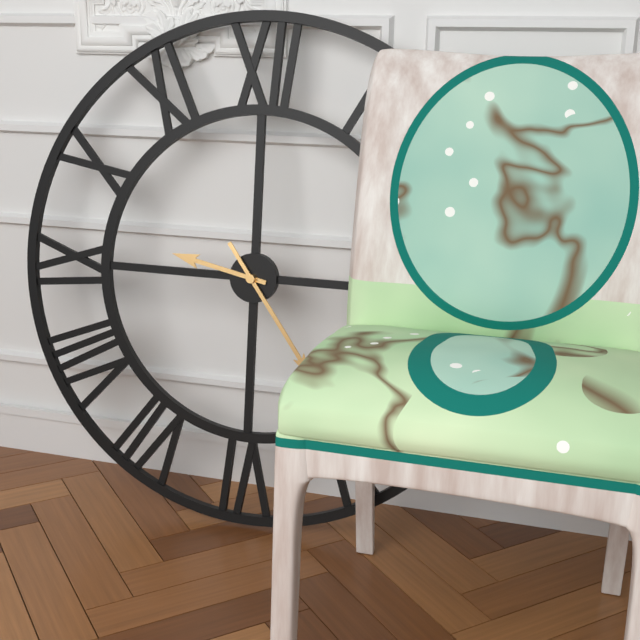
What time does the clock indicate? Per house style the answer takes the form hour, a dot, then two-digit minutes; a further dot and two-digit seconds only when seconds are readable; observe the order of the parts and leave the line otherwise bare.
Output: 9.24
